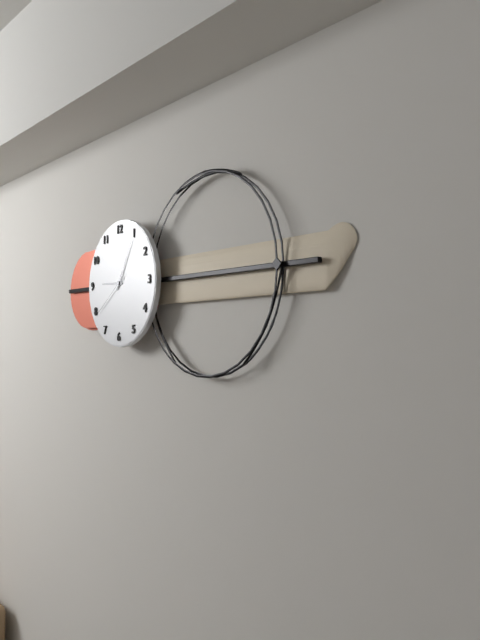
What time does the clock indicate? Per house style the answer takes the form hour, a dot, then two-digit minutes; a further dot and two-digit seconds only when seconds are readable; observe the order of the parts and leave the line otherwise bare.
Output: 9.05
